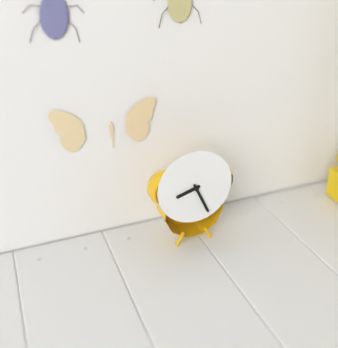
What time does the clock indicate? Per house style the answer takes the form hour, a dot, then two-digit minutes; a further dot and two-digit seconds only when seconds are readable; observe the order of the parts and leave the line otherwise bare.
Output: 8.26
